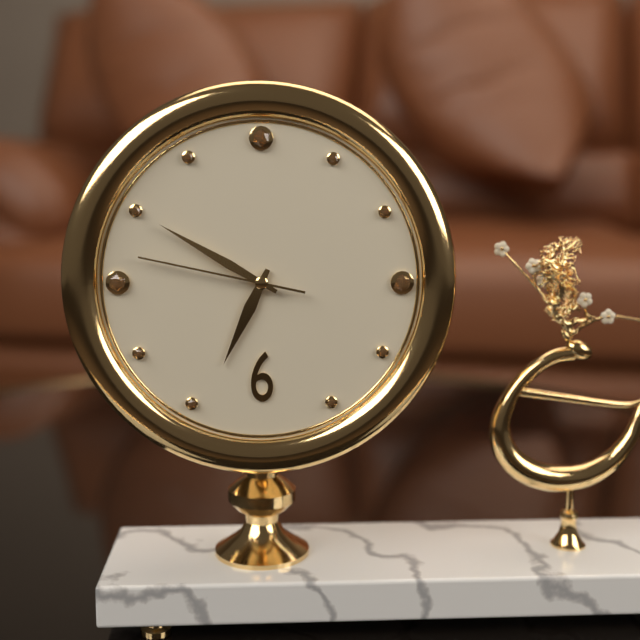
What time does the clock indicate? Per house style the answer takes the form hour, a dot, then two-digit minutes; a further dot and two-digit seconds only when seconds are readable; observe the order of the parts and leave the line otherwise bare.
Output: 6.50.47
